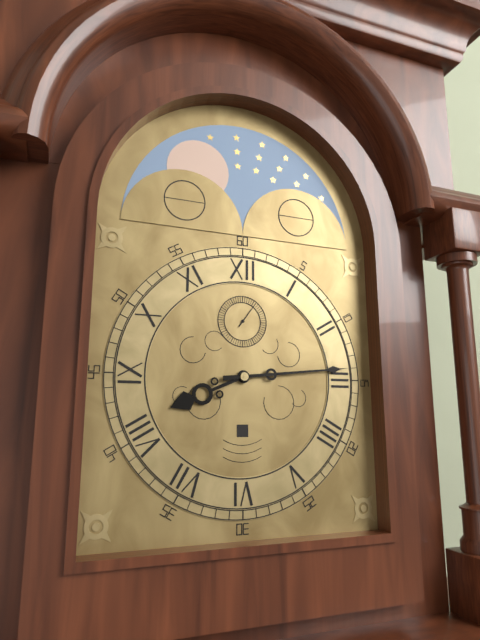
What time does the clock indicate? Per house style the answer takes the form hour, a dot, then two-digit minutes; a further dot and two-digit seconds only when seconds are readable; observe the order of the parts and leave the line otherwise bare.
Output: 8.14
